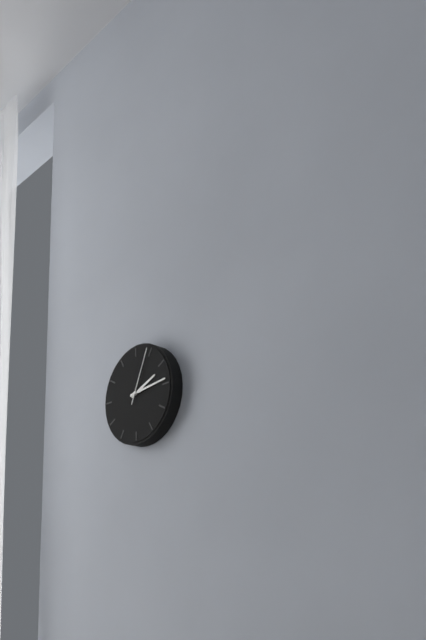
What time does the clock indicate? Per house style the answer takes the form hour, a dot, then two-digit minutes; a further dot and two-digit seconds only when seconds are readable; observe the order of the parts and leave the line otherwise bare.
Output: 2.14.04
